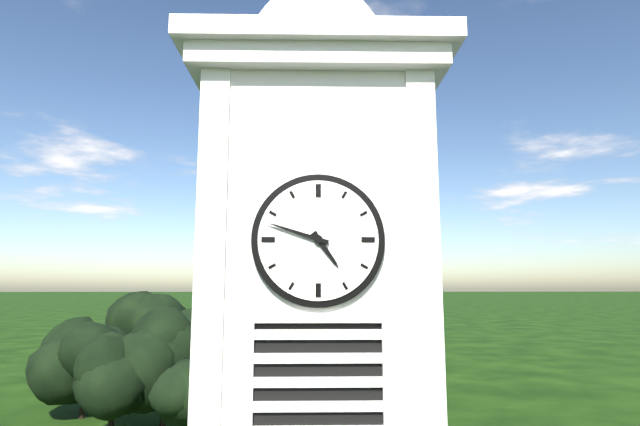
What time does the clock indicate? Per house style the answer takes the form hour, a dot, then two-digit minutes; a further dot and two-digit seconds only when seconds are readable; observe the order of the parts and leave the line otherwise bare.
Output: 4.48
